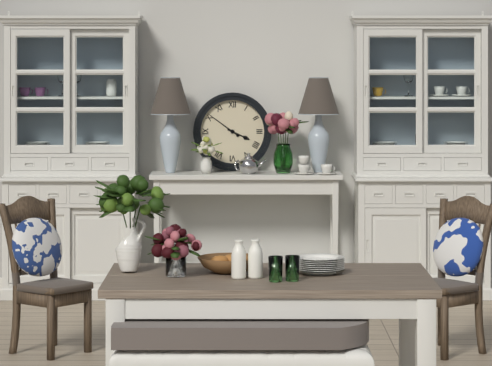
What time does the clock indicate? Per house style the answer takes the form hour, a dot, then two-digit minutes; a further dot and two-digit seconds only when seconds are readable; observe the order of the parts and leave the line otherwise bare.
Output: 3.51
